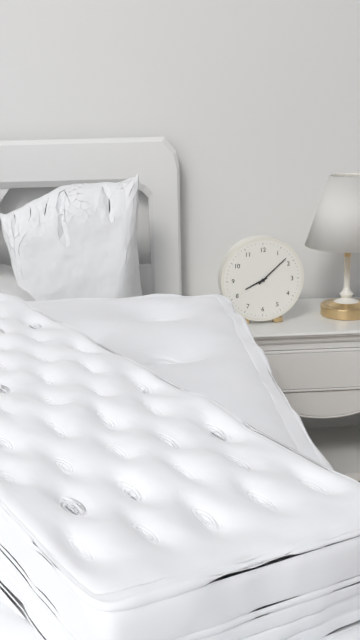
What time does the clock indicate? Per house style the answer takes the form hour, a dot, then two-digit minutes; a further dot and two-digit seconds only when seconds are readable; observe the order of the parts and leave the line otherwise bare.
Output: 8.08
